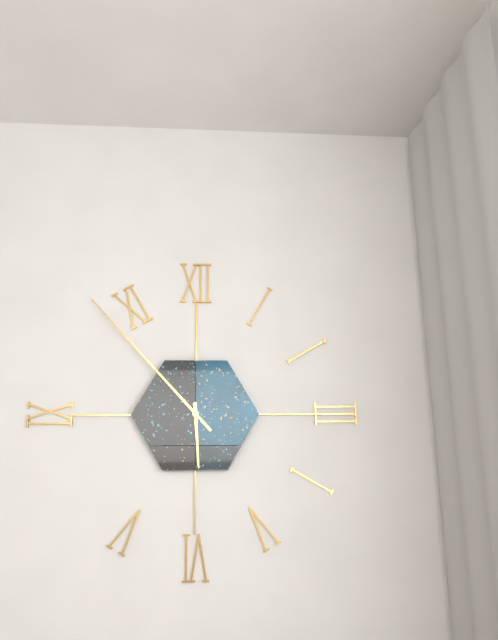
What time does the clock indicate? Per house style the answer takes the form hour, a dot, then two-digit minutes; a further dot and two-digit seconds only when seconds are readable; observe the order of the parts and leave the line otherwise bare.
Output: 5.53
